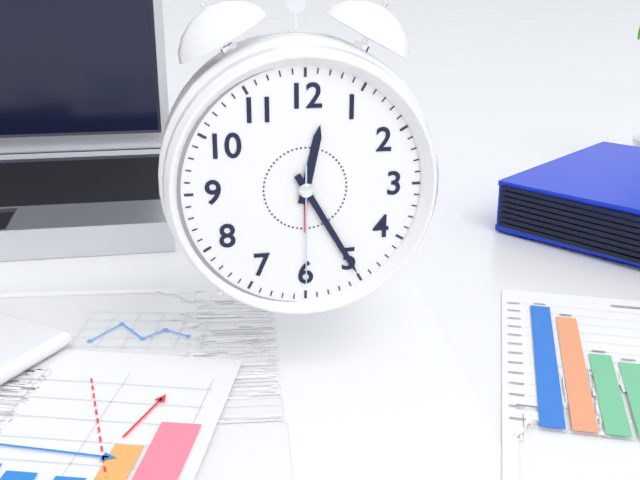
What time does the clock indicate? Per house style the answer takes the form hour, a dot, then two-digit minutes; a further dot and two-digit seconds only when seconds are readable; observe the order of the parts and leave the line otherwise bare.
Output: 12.25.30
